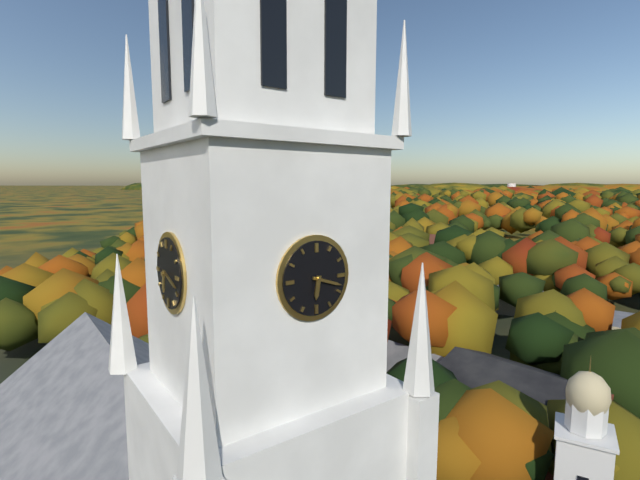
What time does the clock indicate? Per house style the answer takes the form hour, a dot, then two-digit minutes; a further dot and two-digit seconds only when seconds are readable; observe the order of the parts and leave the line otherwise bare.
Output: 6.18
